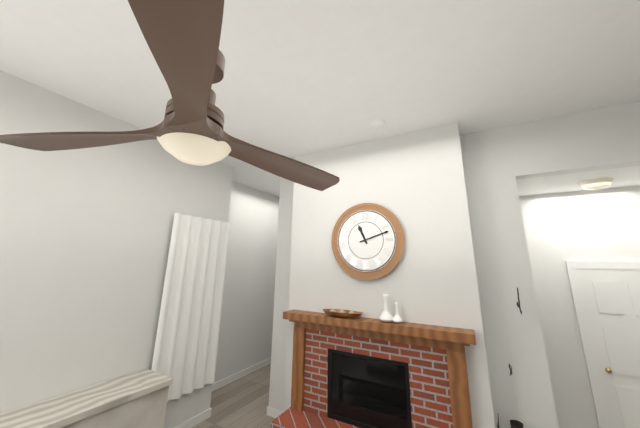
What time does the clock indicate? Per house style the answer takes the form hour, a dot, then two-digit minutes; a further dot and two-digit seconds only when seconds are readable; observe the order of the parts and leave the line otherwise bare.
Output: 11.12
